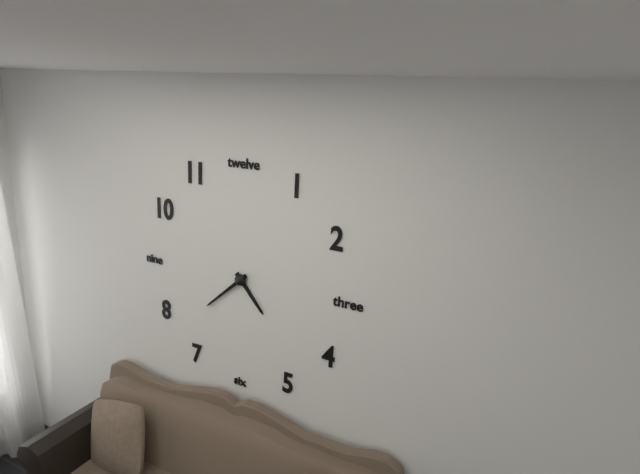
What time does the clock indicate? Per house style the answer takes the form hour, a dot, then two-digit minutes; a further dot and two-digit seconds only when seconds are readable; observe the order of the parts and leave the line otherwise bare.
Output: 4.38
